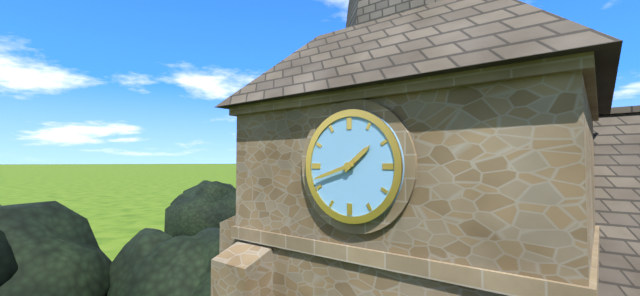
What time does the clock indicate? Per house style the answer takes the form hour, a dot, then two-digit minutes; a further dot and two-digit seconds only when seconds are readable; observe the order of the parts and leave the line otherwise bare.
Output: 1.42
